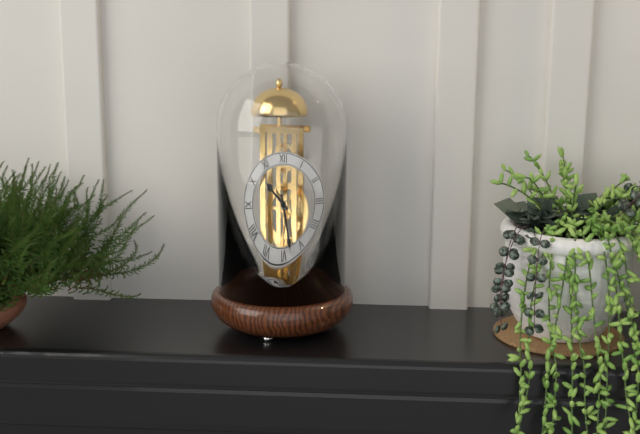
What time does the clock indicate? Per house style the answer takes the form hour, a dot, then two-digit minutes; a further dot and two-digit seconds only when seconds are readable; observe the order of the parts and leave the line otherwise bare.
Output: 10.28
